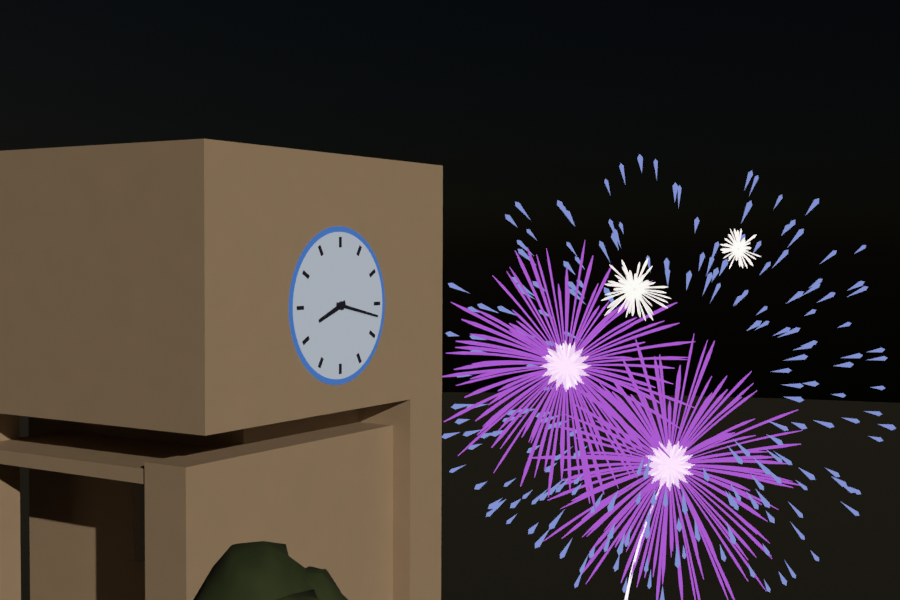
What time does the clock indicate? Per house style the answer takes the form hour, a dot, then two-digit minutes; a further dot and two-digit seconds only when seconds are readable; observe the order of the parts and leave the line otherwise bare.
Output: 8.17
